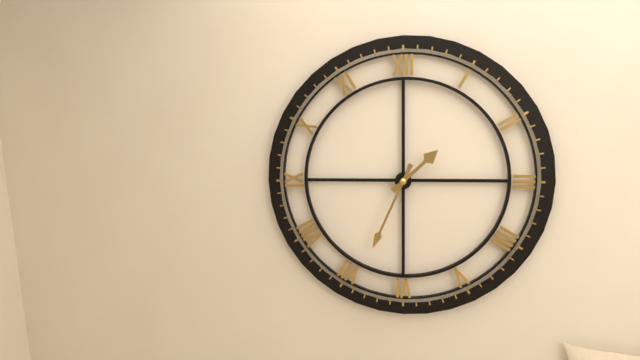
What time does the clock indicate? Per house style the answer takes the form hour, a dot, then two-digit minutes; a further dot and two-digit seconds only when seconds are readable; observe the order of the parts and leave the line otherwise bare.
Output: 1.34
